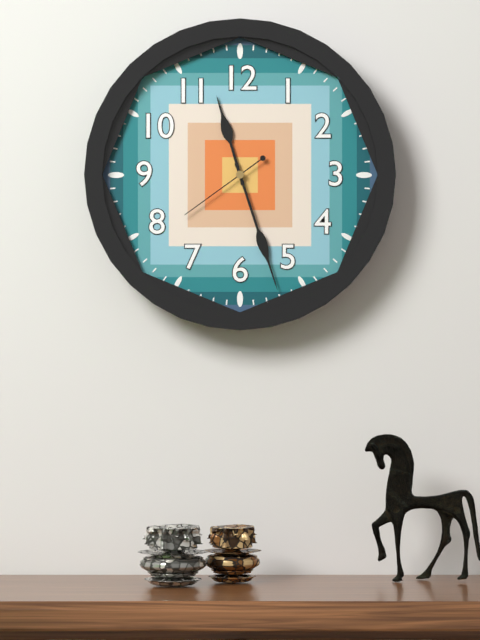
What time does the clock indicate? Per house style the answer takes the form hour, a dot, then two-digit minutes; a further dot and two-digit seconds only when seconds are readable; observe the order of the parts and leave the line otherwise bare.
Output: 11.27.39
